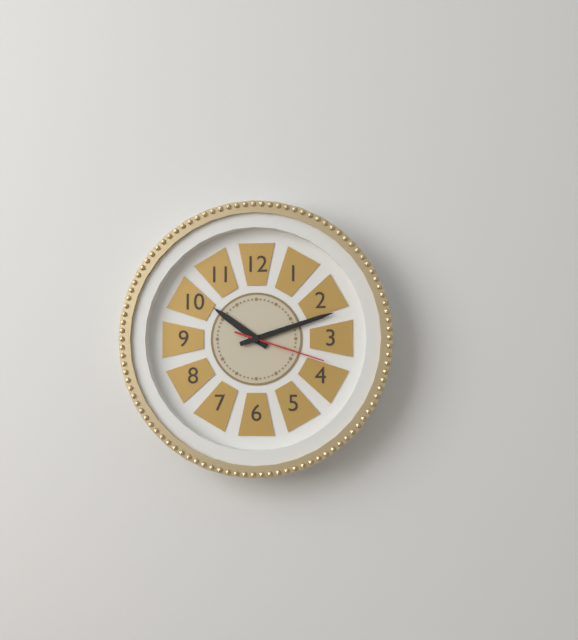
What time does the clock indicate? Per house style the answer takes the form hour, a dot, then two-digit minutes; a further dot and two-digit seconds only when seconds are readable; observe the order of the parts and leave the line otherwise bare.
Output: 10.12.18
